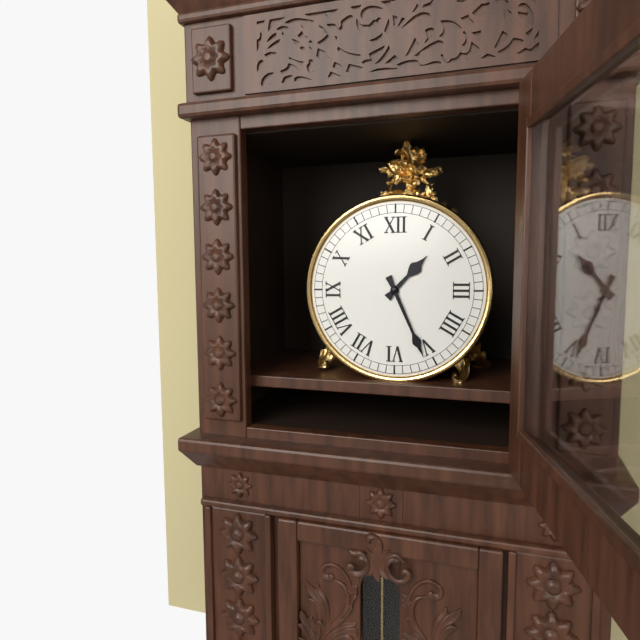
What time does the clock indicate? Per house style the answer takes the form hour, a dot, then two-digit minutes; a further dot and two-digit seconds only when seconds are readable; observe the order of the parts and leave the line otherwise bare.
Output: 1.26
